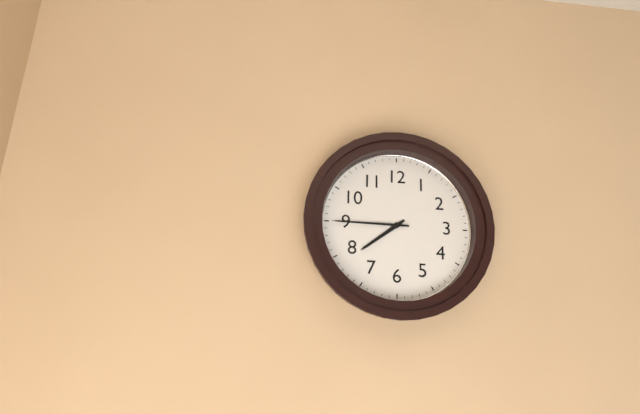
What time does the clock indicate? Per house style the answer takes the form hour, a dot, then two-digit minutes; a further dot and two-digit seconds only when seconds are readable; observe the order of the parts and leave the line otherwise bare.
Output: 7.45
